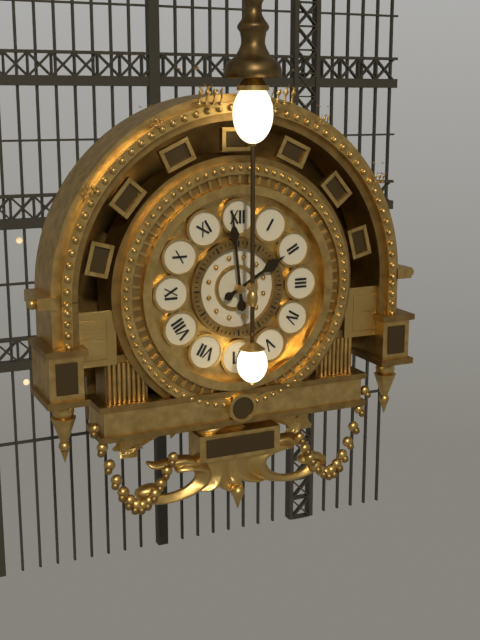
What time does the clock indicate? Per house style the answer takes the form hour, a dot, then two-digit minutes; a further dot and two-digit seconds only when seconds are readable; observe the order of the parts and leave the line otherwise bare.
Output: 1.59
